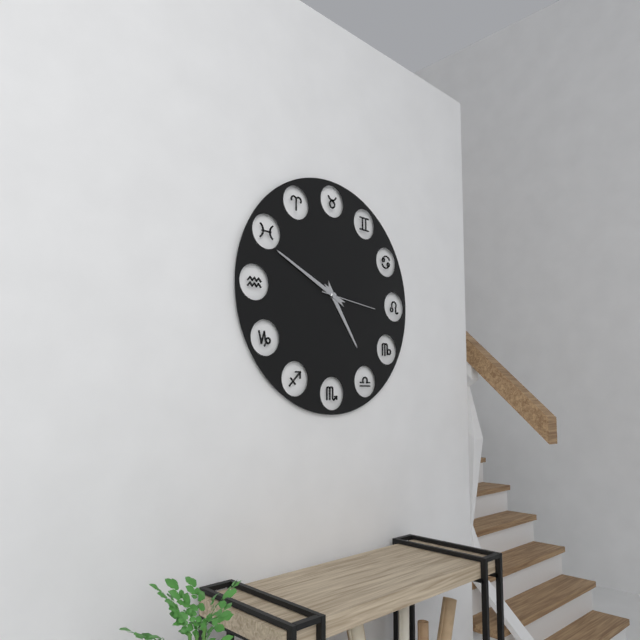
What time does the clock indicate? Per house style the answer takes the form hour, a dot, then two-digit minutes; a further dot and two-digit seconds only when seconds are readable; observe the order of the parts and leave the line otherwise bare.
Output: 4.49.16
